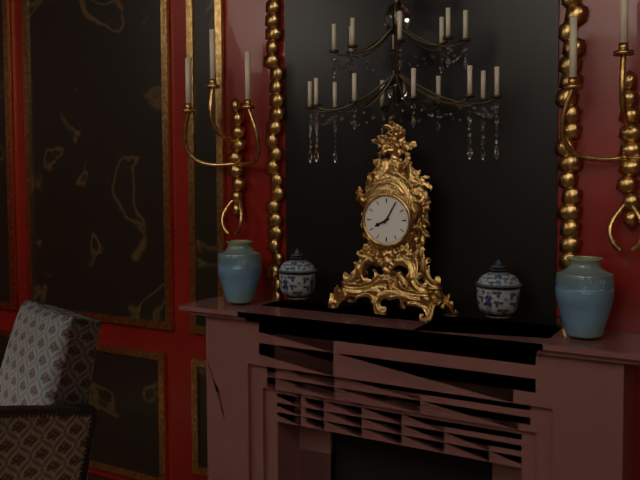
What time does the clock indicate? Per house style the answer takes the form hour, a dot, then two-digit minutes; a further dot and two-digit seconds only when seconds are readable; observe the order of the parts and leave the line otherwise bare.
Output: 8.05
